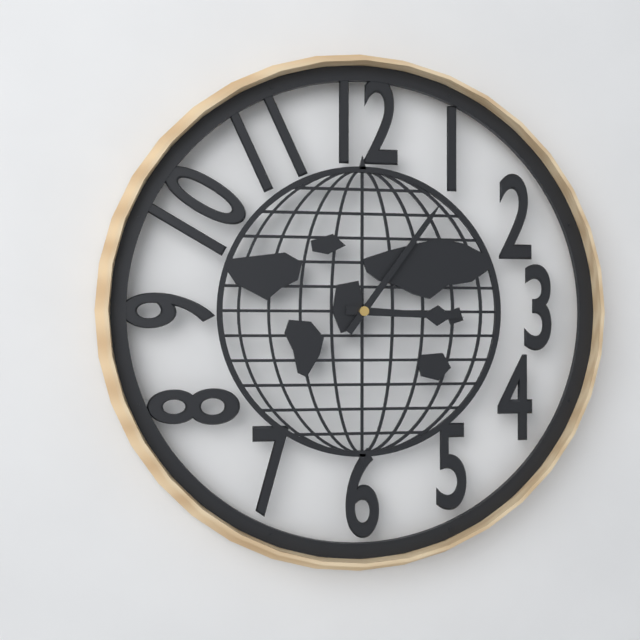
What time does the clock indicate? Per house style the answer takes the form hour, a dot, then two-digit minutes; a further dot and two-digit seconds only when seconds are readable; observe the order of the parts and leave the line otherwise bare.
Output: 3.06
